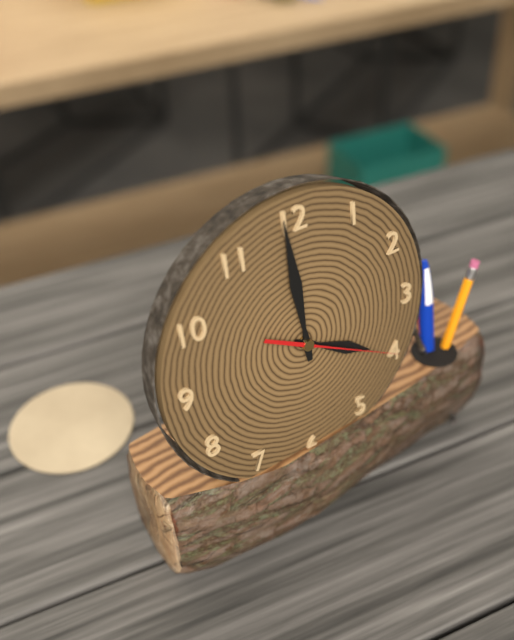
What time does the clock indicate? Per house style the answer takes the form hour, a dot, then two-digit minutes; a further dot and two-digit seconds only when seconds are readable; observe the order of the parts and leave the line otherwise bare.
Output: 3.59.20
